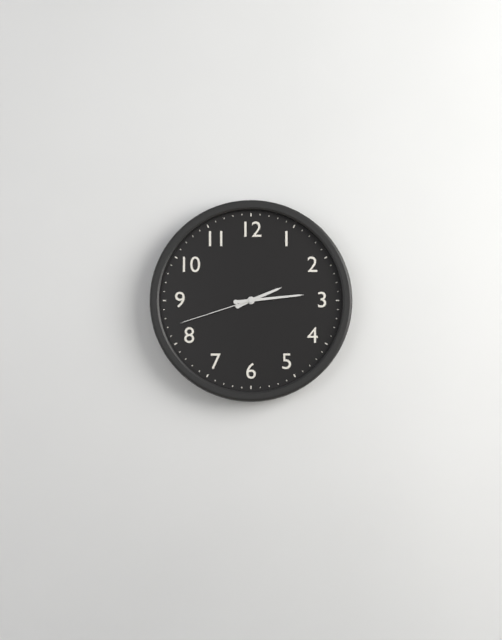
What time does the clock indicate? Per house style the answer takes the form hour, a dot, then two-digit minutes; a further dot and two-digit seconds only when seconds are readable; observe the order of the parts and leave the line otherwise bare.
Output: 2.14.42
